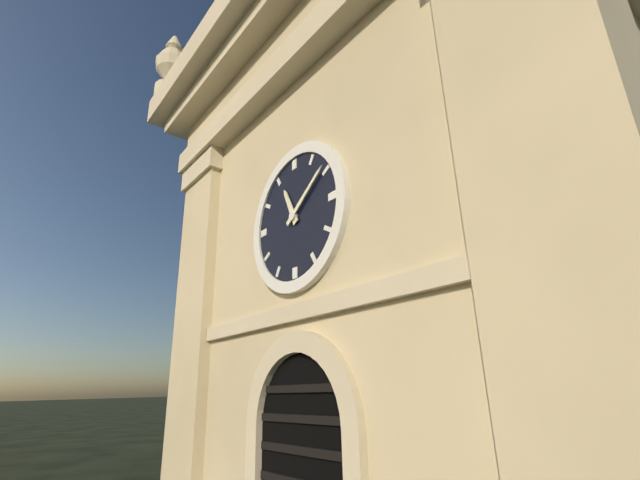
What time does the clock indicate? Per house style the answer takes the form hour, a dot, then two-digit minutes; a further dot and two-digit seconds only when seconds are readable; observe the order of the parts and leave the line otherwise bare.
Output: 11.09
